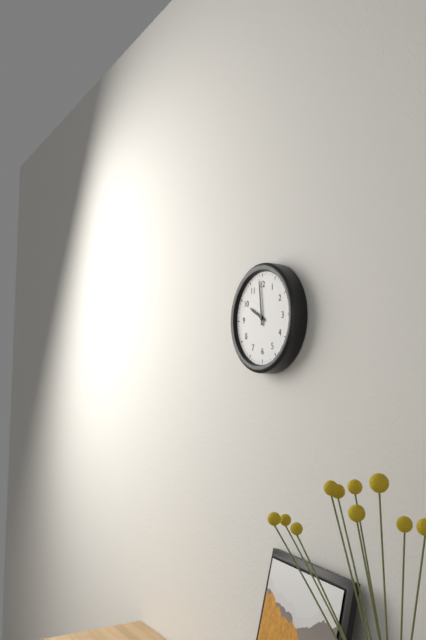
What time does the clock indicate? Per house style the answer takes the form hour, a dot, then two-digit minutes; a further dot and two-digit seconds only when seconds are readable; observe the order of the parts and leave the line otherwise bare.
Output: 9.59
